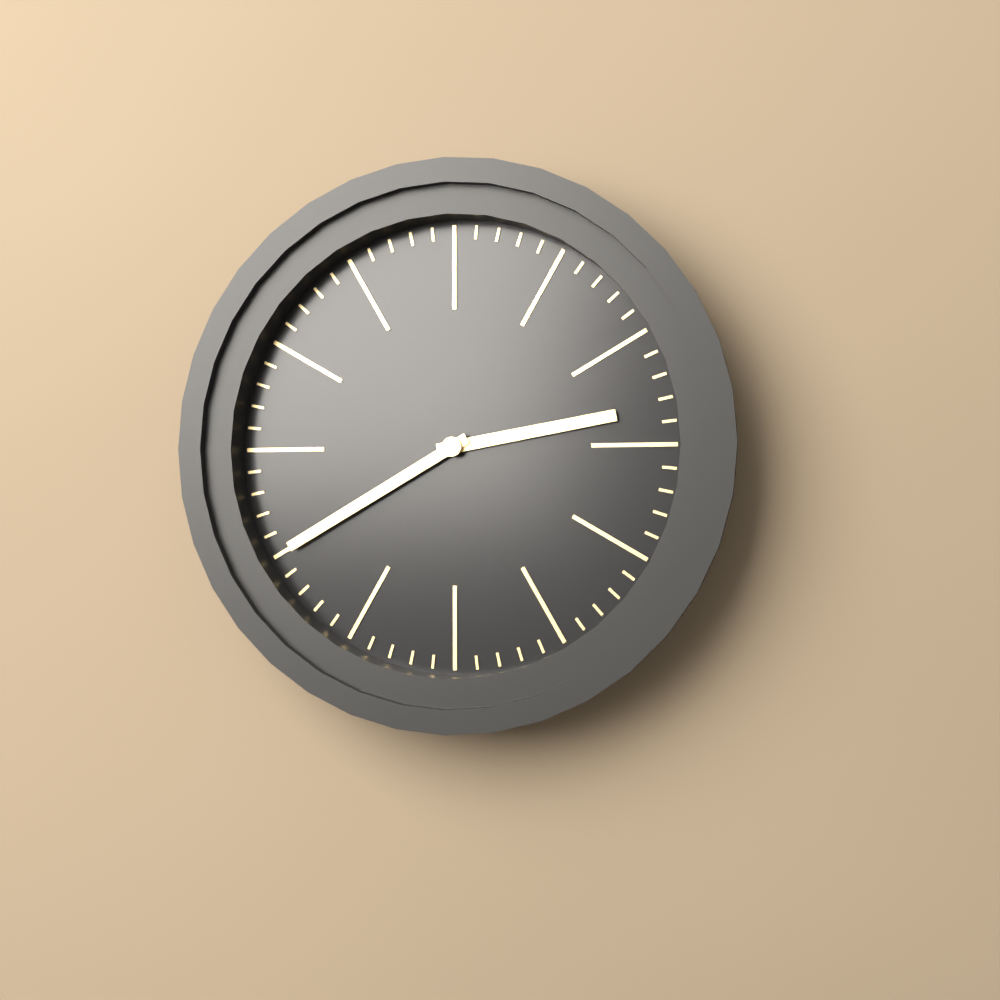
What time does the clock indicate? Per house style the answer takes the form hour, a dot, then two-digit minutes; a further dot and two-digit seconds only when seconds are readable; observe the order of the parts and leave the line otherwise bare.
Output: 2.40
